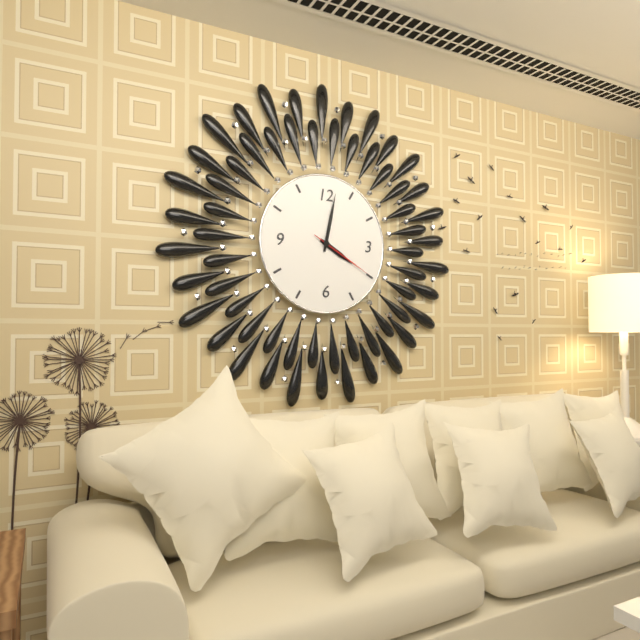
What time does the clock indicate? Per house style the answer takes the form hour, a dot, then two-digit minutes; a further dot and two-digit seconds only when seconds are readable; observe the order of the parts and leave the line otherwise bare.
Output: 4.02.20
